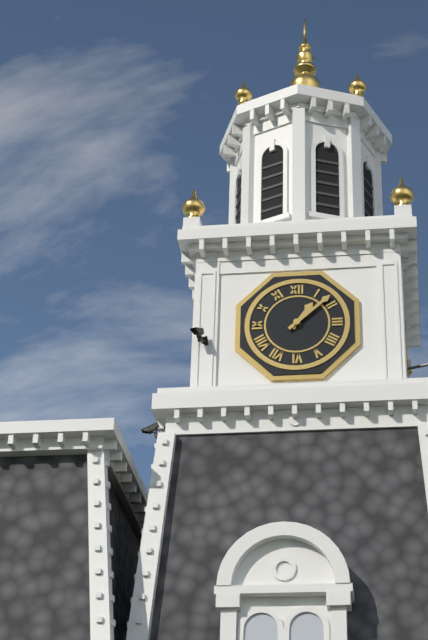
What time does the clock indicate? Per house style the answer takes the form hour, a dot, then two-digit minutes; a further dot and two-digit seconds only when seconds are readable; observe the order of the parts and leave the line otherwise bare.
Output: 1.08
